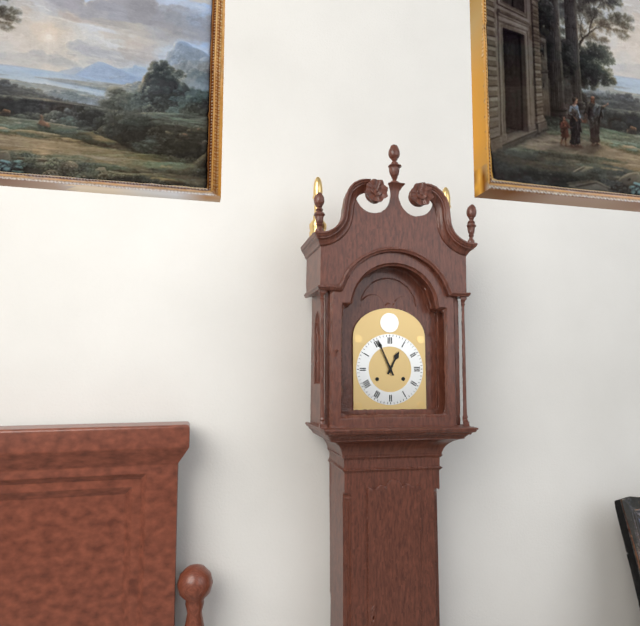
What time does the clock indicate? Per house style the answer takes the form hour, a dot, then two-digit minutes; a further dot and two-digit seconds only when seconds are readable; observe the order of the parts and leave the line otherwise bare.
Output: 12.56
